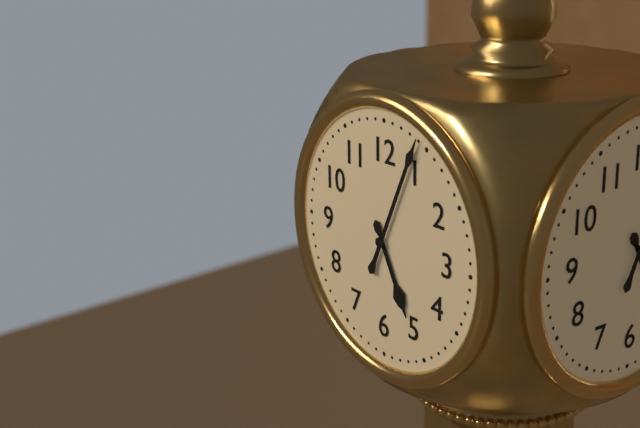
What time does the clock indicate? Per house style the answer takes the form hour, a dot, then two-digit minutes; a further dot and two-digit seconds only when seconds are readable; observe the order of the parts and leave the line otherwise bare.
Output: 5.04
